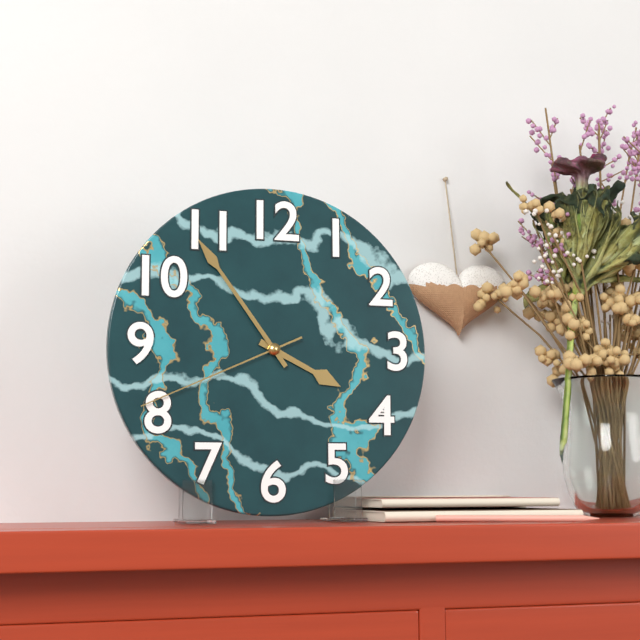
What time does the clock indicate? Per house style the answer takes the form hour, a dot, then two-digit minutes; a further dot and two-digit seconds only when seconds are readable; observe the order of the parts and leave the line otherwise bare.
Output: 3.54.41
